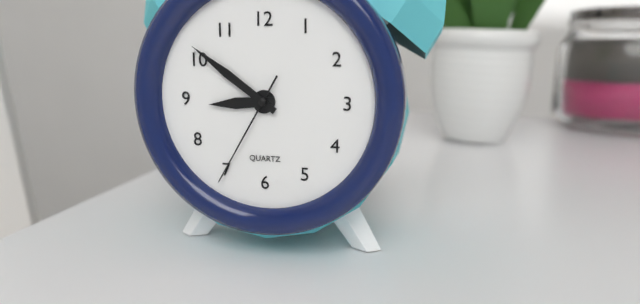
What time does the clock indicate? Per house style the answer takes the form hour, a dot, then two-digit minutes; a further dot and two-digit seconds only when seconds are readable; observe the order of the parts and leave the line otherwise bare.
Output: 8.51.35
